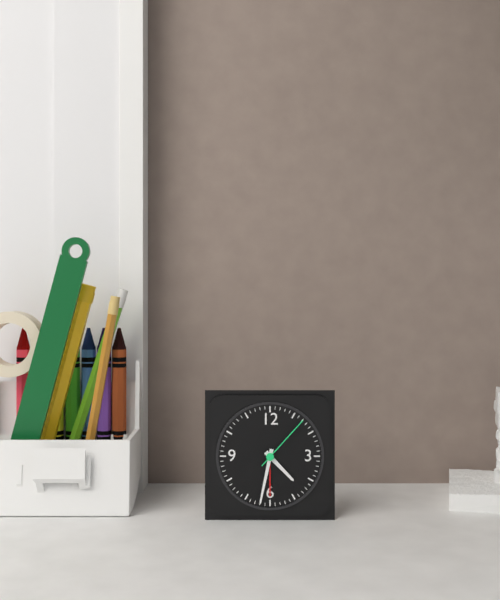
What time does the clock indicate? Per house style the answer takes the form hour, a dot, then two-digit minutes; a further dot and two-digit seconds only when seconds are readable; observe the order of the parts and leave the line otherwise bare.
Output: 4.32.07
